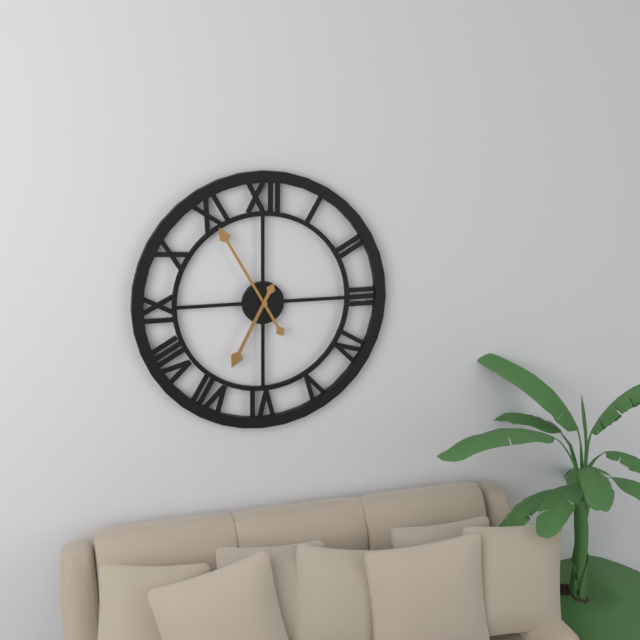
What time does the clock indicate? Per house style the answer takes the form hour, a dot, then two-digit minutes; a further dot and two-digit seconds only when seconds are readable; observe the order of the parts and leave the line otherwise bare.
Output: 6.55
